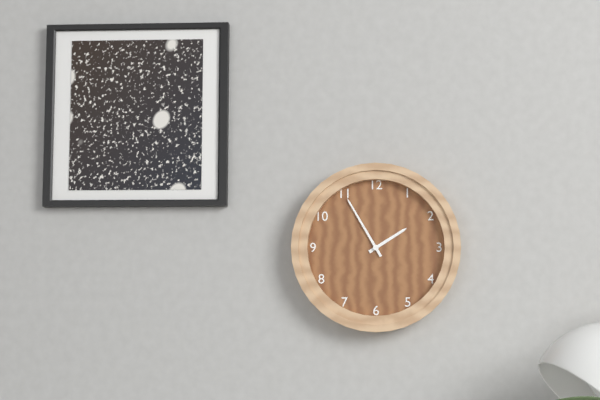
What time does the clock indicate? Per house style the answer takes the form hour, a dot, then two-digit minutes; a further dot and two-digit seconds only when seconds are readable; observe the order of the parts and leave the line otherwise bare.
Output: 1.55
